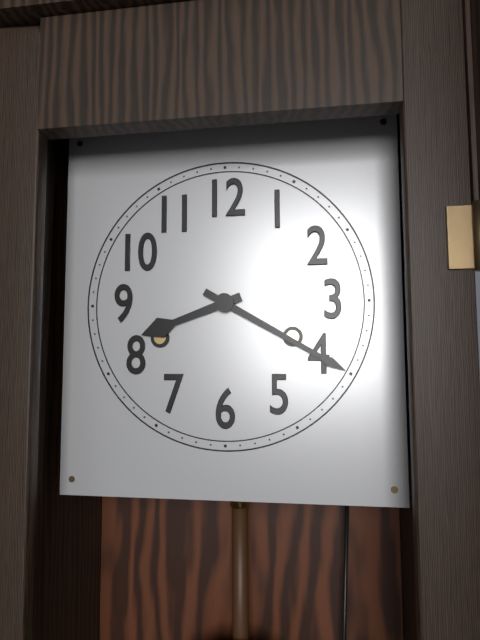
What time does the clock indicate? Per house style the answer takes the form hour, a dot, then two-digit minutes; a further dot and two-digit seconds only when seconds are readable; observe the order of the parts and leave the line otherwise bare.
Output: 8.20
